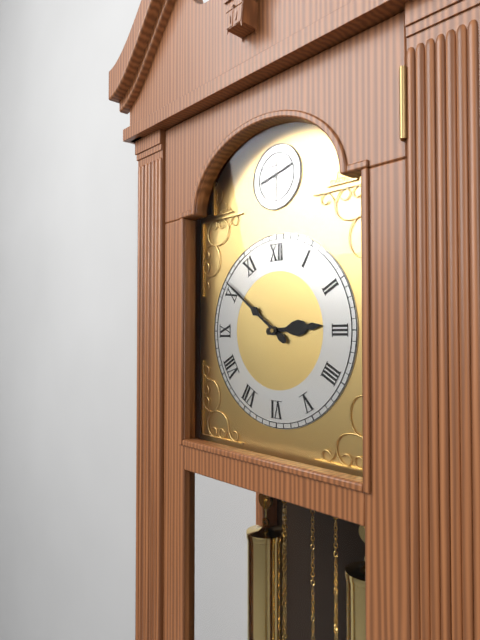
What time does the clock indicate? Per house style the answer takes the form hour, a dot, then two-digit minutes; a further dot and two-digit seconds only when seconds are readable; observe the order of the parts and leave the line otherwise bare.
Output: 2.51
